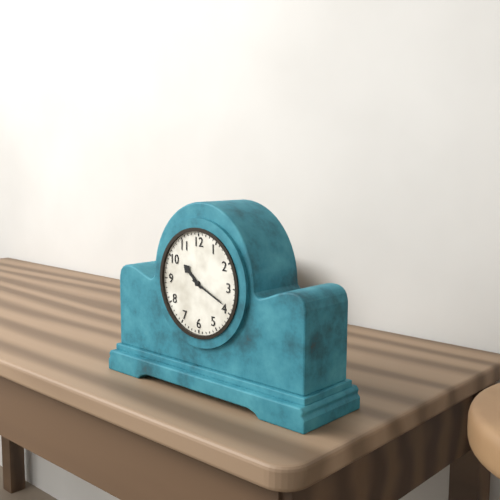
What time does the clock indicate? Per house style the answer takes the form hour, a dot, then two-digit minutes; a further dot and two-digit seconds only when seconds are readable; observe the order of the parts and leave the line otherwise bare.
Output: 10.19
